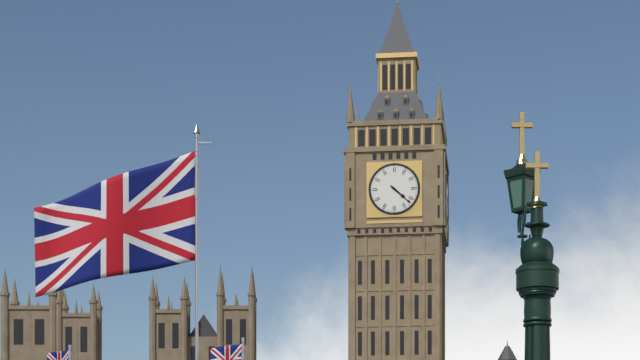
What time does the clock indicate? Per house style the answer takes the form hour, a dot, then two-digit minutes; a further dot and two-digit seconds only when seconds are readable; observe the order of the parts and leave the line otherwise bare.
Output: 4.22
